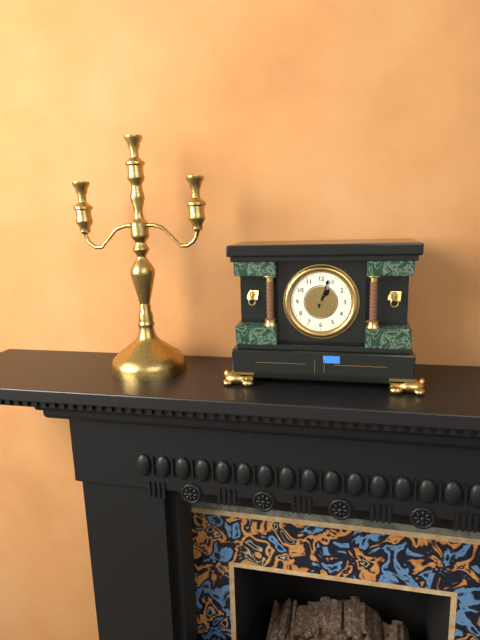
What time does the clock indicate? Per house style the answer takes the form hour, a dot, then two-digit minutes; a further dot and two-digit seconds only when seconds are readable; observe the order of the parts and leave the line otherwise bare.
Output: 1.03
